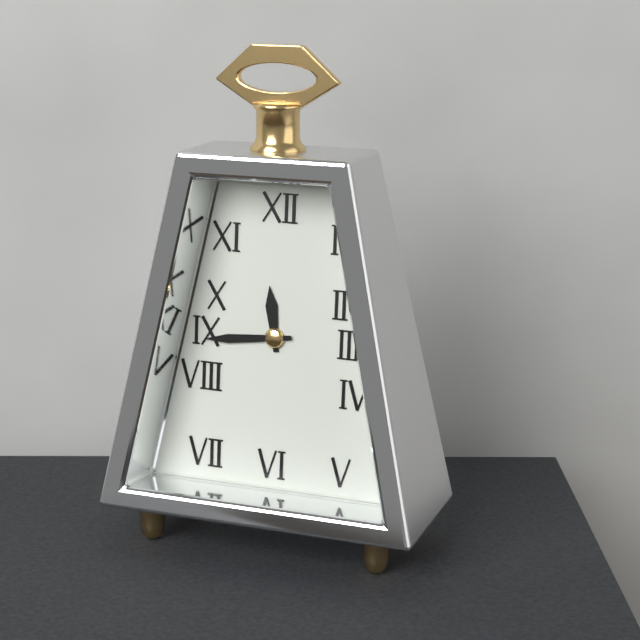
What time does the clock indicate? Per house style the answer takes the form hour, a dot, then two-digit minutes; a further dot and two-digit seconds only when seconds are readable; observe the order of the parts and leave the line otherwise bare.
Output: 11.44
